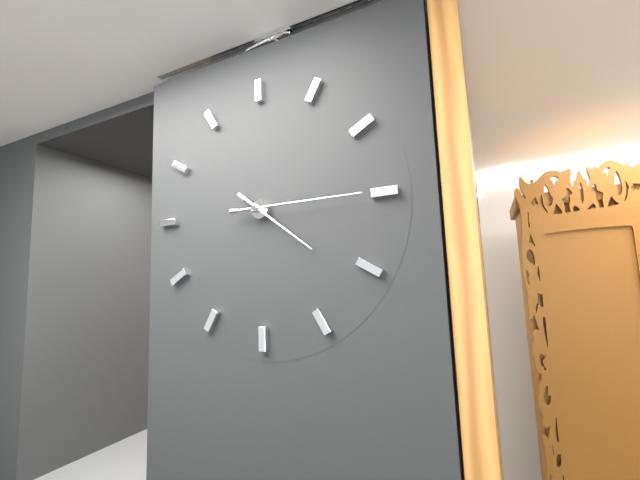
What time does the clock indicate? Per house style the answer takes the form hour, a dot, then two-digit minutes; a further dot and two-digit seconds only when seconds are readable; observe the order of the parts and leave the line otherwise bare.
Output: 4.15
